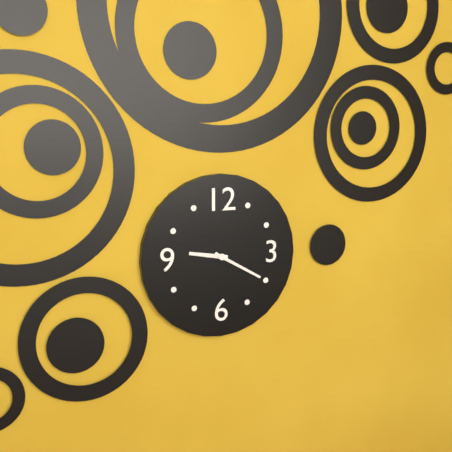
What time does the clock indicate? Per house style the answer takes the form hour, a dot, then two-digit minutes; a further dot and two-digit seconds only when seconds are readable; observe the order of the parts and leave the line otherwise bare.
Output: 9.20
